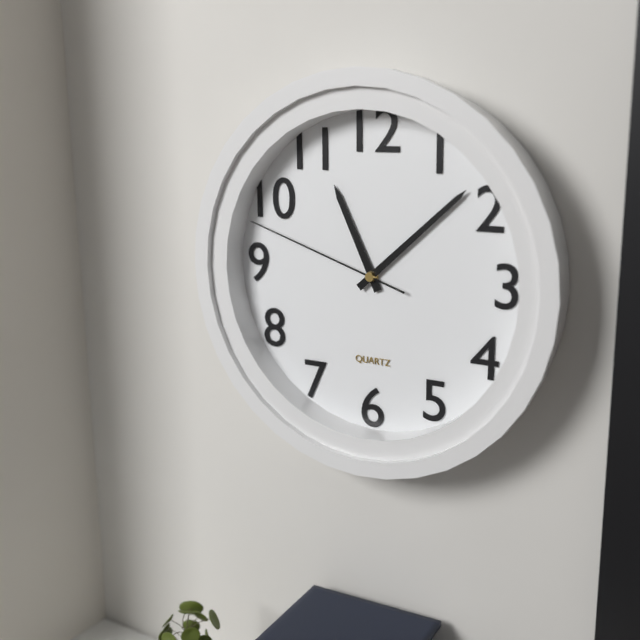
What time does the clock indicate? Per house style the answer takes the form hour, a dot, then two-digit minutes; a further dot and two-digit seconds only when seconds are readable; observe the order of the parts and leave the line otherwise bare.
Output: 11.08.48
